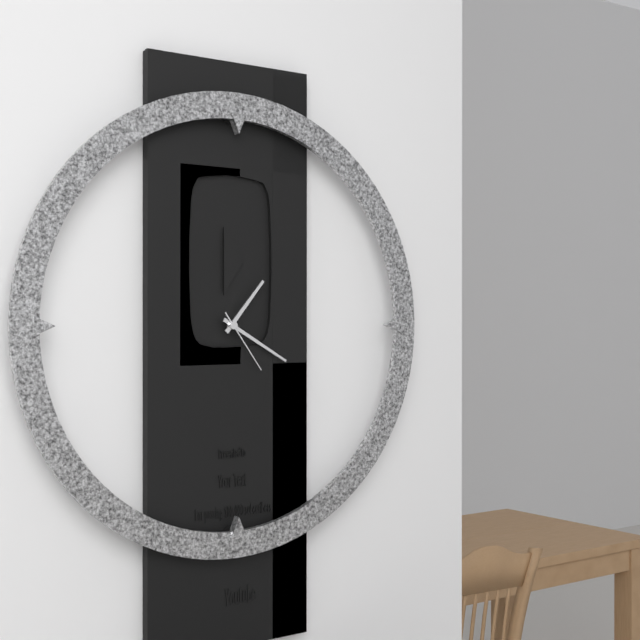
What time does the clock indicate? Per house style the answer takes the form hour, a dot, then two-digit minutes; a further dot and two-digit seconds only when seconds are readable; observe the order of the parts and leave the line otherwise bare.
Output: 1.20.24
